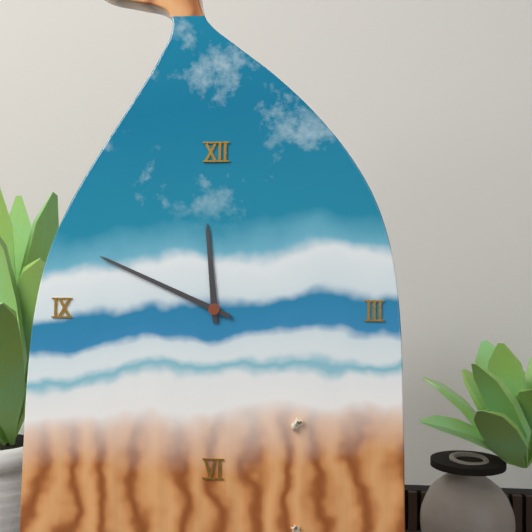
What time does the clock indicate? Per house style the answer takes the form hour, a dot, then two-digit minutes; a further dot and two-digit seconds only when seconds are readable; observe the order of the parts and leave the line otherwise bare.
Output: 11.49
